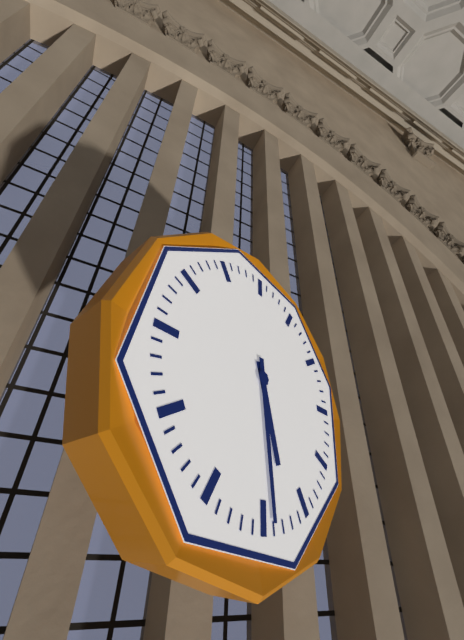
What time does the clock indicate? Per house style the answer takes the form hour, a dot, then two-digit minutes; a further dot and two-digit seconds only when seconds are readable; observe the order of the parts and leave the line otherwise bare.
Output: 5.29
